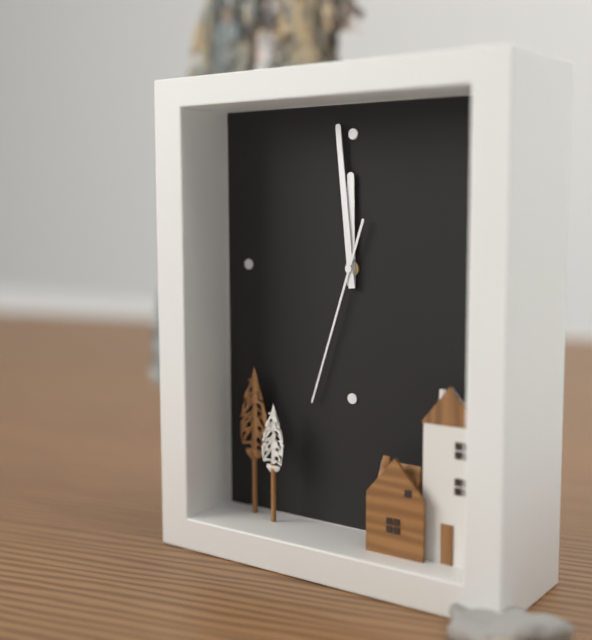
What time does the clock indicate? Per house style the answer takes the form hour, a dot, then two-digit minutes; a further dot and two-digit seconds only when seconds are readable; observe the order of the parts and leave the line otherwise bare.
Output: 11.59.33
